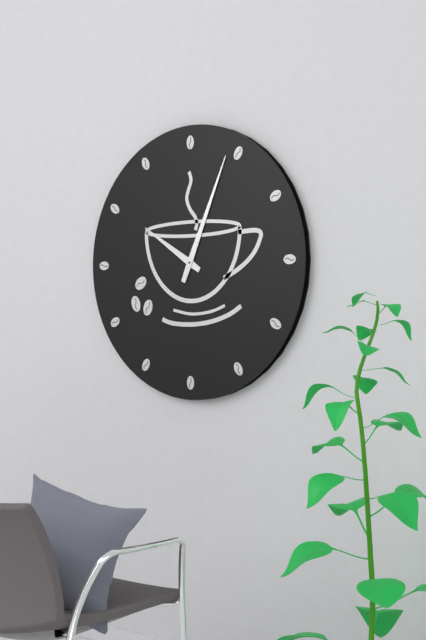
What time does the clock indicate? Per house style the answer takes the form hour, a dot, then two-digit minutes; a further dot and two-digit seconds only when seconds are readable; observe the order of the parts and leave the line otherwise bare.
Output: 10.04
